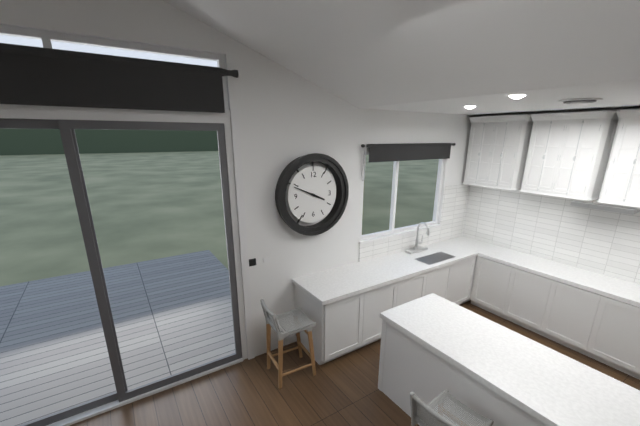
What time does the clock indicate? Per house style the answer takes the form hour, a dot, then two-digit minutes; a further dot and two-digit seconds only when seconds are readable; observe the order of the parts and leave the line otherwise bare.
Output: 3.49
